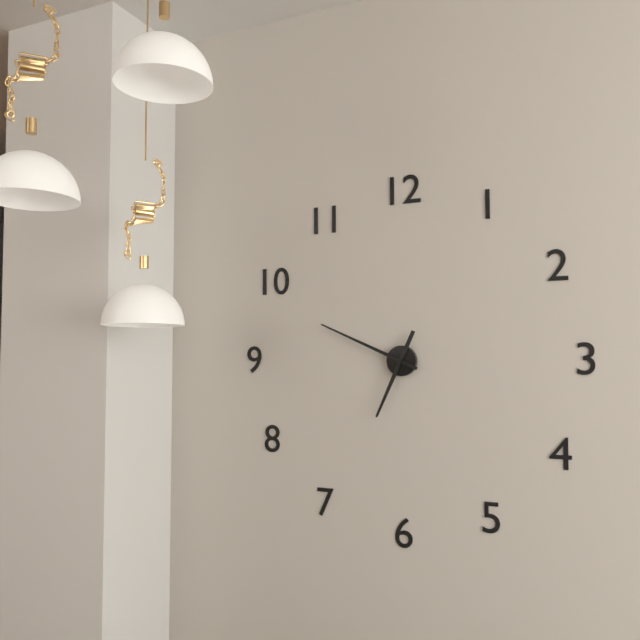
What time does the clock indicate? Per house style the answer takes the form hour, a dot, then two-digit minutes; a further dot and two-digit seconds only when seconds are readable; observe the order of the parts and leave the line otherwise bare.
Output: 6.49
